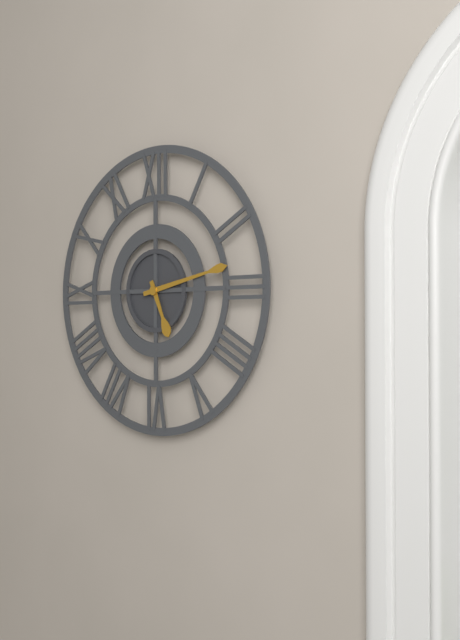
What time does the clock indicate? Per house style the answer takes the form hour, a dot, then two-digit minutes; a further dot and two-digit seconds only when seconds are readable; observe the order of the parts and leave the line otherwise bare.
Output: 5.13
